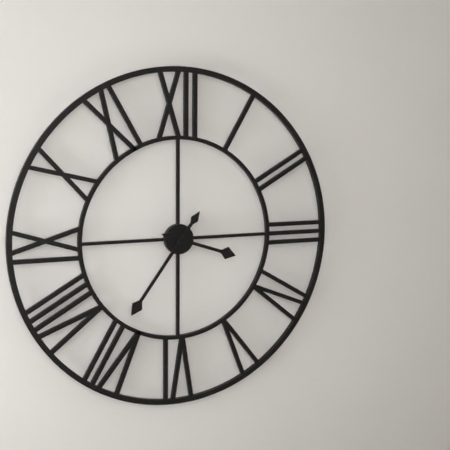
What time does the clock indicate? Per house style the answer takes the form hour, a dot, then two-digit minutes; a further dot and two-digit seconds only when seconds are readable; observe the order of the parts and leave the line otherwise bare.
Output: 3.36
